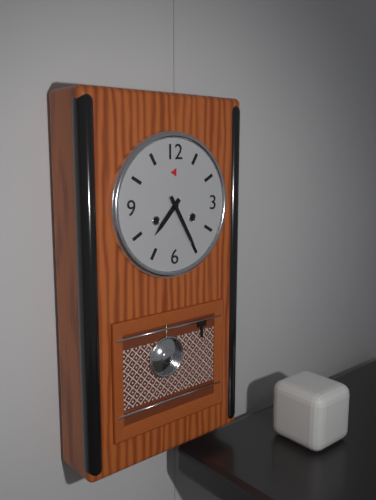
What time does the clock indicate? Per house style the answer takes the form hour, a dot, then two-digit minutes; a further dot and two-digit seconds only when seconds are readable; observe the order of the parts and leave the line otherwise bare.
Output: 7.25
